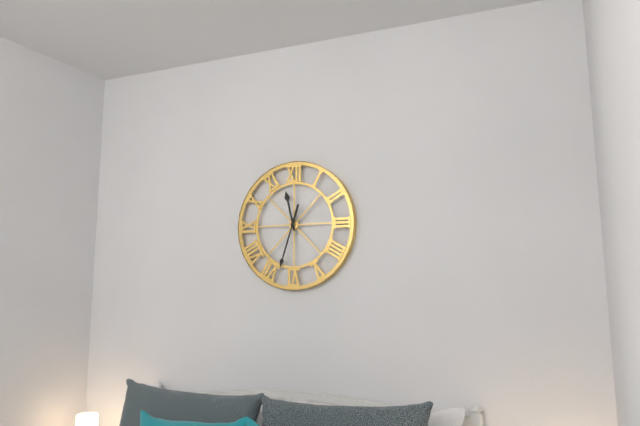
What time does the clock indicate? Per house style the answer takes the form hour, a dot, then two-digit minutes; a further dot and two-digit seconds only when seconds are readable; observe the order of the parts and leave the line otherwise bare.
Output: 11.33
